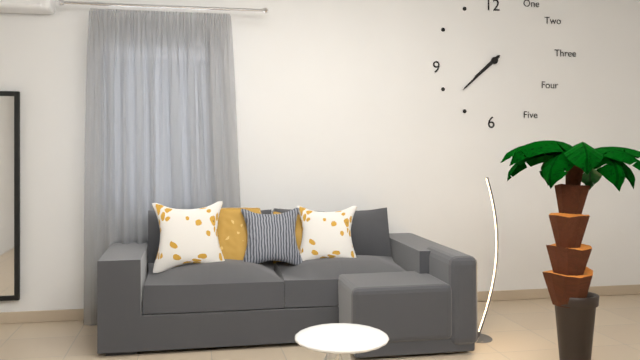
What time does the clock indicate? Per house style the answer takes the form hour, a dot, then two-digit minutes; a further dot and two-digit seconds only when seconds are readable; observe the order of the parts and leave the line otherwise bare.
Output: 7.38
